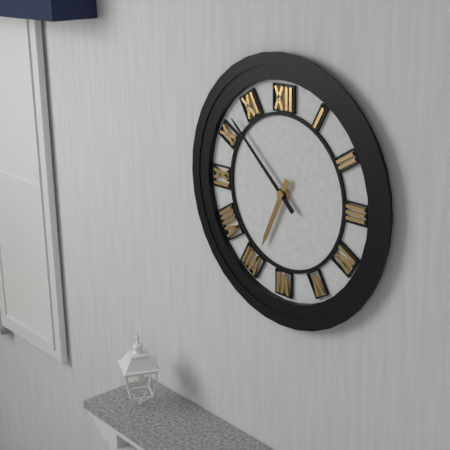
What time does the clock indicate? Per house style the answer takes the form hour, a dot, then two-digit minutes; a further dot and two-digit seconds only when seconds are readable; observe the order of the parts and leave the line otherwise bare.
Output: 6.52
